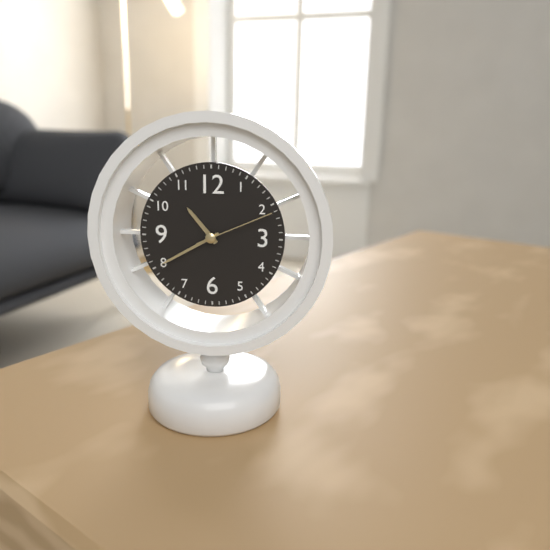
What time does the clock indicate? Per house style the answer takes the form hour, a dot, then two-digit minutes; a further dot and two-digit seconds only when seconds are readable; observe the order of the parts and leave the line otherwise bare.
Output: 10.40.11
